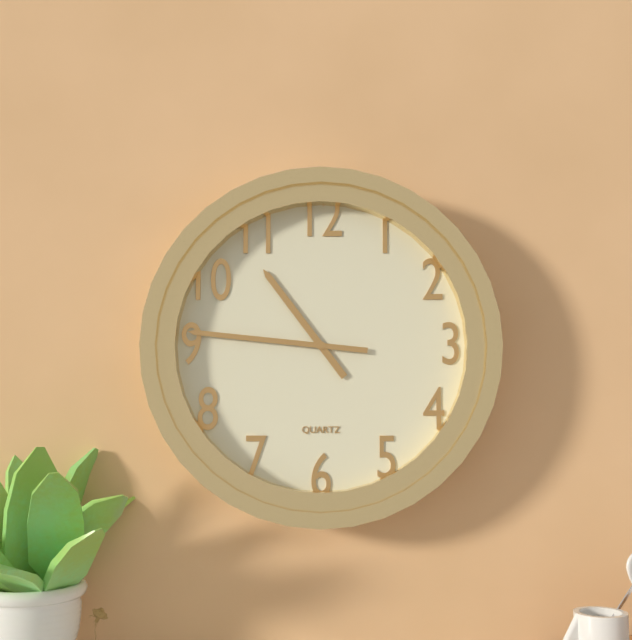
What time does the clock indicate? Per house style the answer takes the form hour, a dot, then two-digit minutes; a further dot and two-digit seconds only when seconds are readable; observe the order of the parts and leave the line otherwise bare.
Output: 10.46
